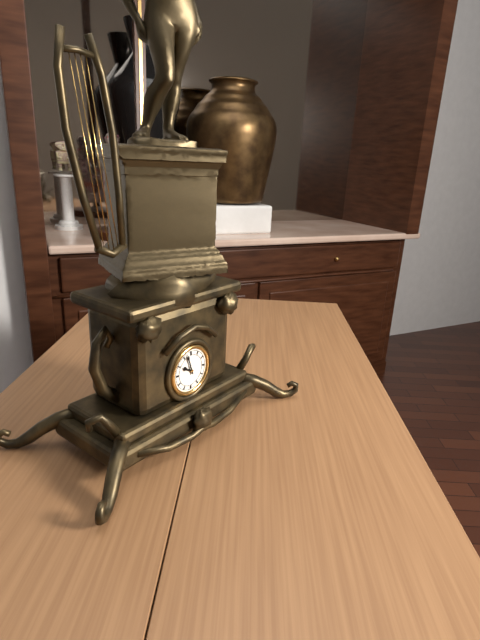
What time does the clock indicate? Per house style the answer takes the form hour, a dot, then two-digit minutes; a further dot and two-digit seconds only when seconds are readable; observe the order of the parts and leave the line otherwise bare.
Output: 9.57
